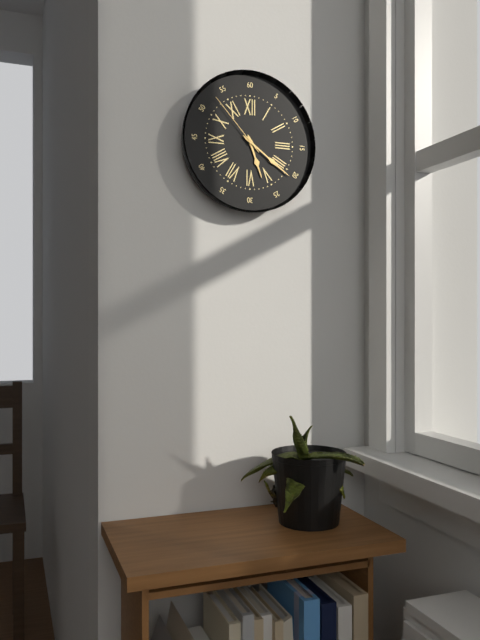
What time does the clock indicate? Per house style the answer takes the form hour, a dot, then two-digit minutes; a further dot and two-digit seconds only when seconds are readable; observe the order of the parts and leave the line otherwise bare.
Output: 5.21.53
